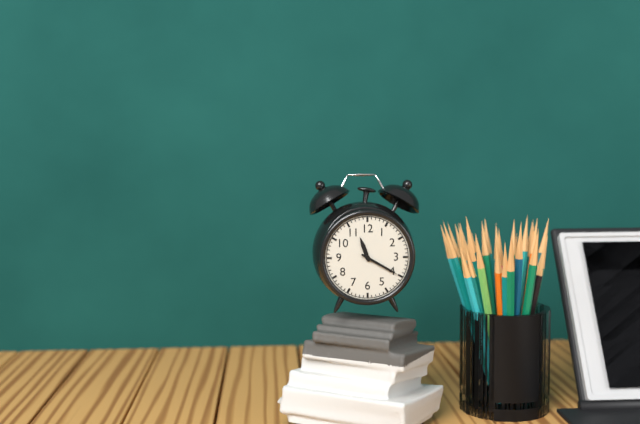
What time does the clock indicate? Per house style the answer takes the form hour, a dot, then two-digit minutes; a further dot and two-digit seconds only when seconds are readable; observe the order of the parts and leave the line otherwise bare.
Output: 11.20
